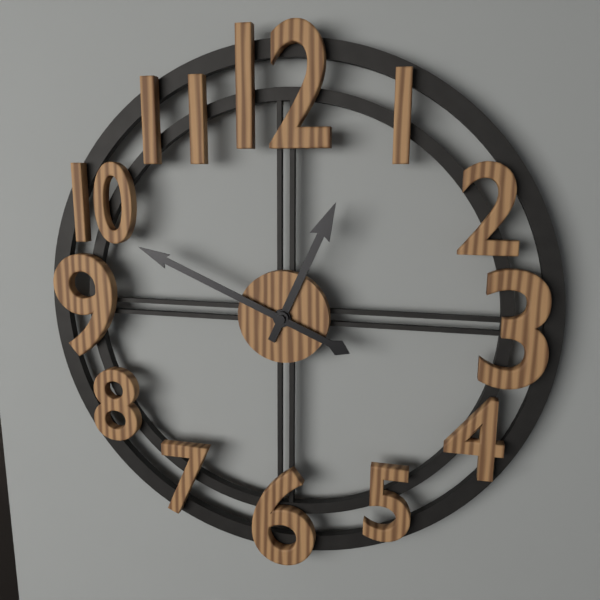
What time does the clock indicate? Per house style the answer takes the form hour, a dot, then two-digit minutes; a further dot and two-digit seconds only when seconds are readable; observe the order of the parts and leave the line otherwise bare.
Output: 12.49
